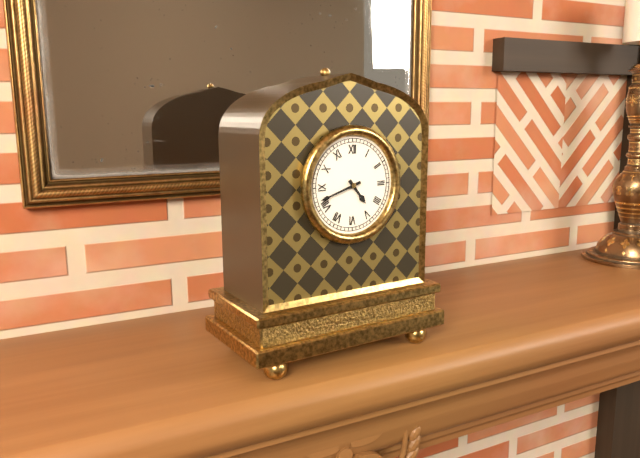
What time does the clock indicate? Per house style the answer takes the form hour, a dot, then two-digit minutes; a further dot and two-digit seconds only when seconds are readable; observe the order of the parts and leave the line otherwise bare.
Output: 4.42
